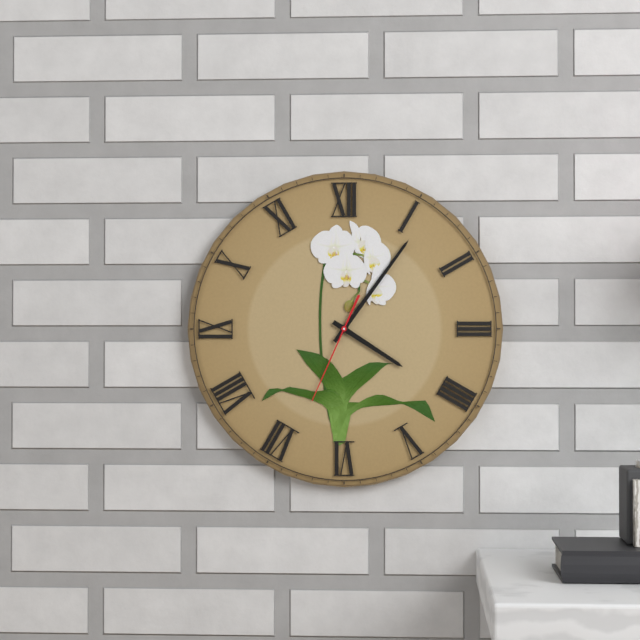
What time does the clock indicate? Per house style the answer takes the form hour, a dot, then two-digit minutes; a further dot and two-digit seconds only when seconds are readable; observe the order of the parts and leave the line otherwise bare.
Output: 4.06.34
